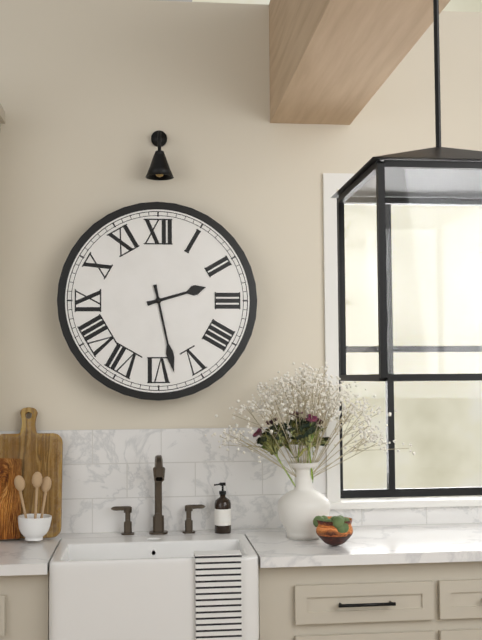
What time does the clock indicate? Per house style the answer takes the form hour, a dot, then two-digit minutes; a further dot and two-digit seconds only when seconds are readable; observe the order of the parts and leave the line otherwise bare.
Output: 2.28
